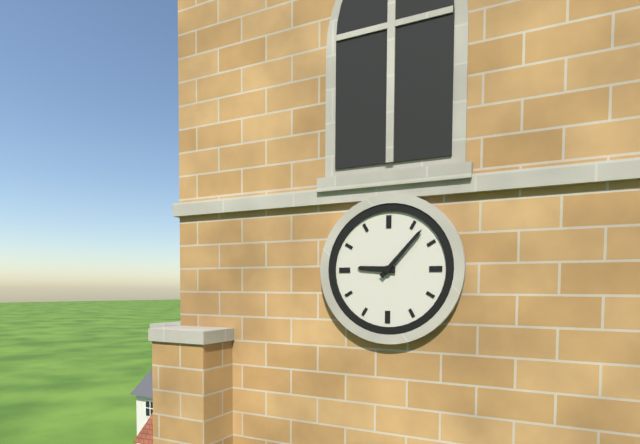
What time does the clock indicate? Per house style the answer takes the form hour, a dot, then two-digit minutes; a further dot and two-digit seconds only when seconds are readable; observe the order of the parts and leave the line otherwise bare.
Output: 9.07
